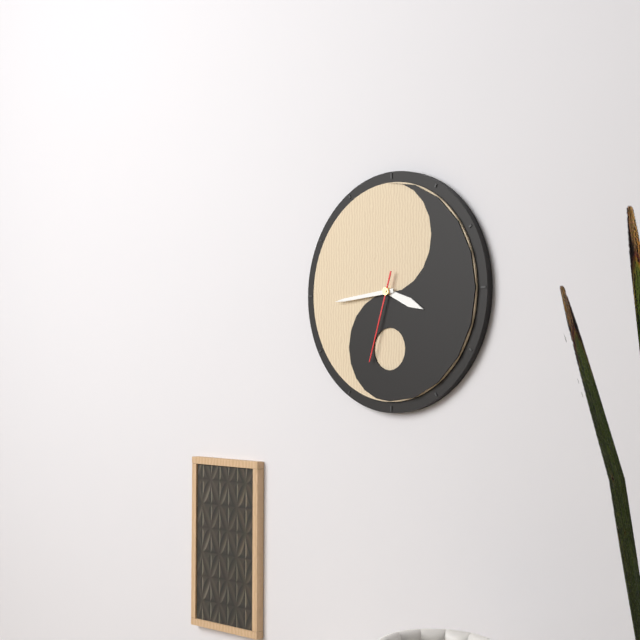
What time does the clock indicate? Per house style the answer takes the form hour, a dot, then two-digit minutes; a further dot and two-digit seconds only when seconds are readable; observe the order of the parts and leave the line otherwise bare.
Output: 3.44.33
